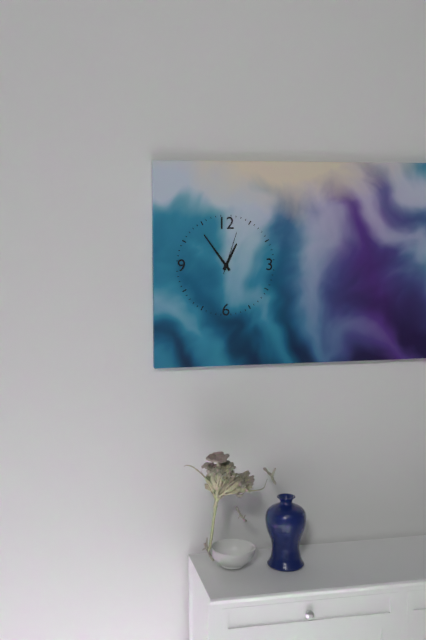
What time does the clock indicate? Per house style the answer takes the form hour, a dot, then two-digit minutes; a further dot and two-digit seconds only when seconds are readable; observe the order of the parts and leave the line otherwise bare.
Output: 12.54
